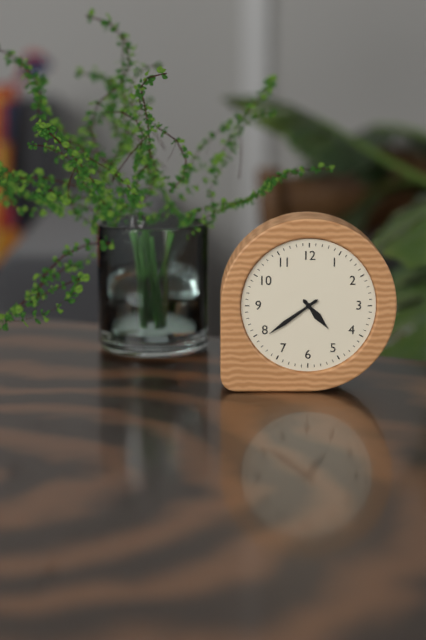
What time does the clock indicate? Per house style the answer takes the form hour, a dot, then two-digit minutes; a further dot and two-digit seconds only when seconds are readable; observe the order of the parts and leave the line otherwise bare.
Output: 4.39
